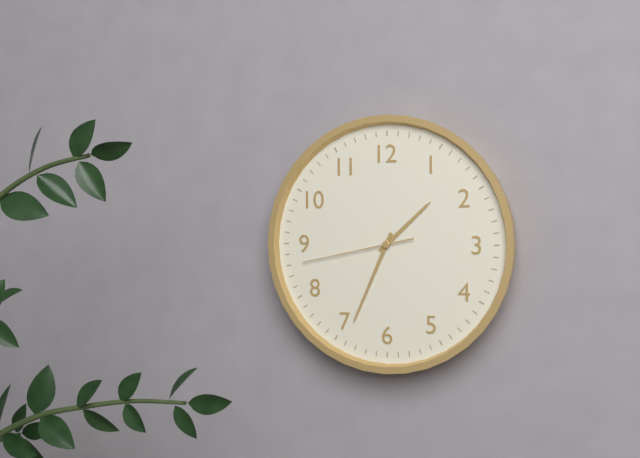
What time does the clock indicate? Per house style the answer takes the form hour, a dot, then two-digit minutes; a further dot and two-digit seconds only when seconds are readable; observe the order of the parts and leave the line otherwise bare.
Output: 1.34.43
